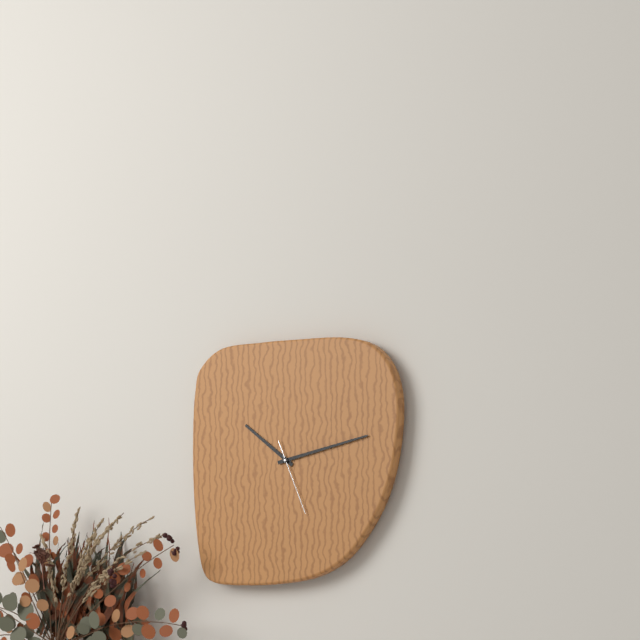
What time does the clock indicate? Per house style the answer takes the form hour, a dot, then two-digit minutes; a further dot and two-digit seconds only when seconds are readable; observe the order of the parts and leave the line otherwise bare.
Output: 10.13.26
